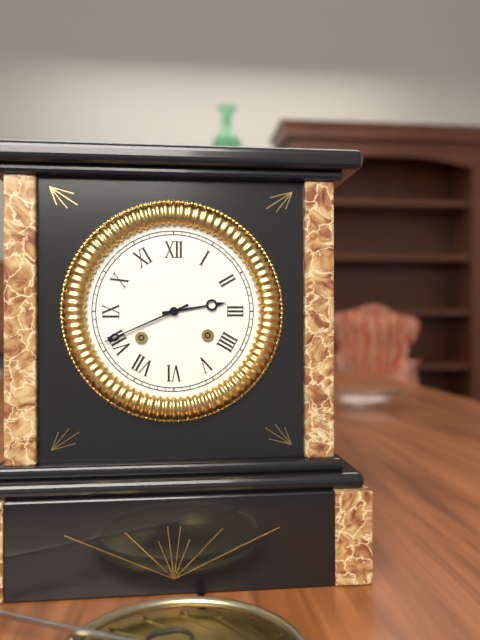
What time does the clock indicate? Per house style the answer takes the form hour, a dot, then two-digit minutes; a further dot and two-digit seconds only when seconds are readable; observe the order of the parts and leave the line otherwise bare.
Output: 2.41
